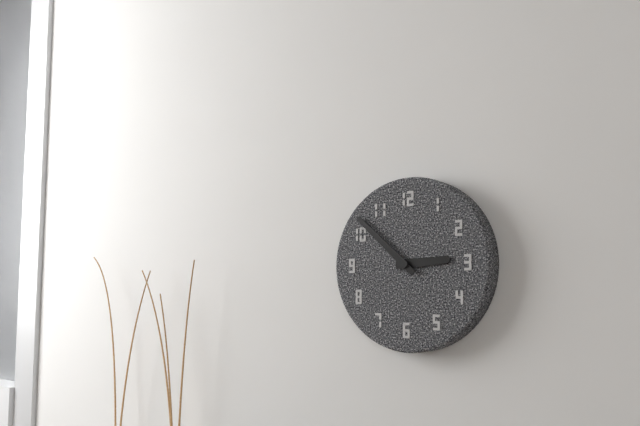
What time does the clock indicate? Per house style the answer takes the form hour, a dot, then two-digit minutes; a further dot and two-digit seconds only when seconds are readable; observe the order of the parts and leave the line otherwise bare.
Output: 2.52
